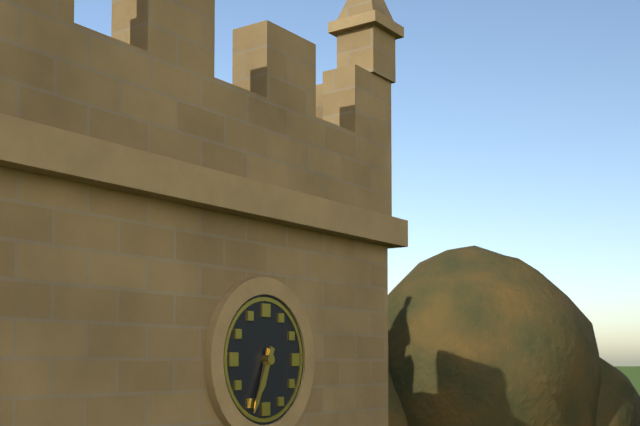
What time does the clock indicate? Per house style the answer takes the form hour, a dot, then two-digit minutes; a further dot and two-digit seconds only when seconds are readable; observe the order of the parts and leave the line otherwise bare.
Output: 6.34
